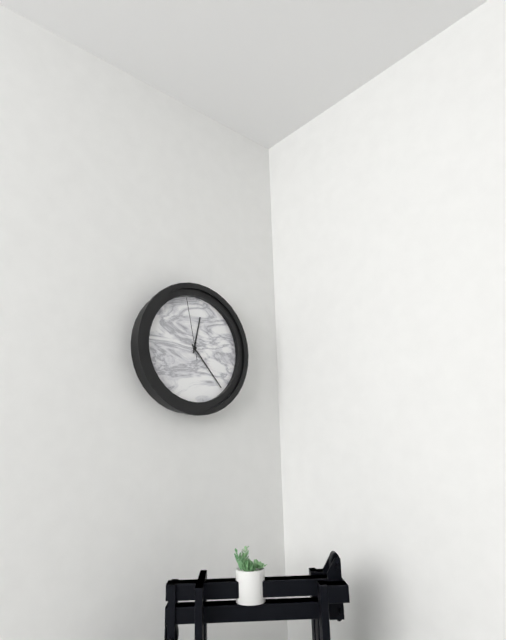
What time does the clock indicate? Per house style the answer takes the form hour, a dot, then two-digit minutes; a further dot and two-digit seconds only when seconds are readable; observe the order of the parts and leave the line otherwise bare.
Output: 12.23.58
